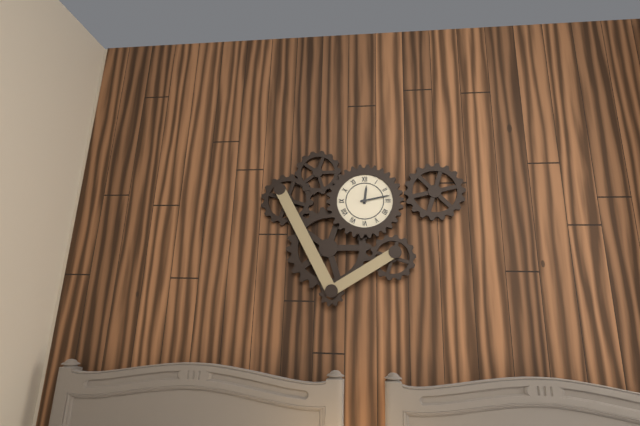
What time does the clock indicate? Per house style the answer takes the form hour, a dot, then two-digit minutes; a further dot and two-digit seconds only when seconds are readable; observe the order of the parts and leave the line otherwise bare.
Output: 12.13
